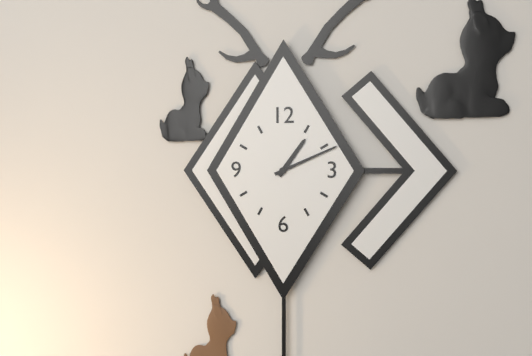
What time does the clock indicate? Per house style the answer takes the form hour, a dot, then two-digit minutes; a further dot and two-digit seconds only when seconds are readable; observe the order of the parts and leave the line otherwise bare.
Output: 1.11
